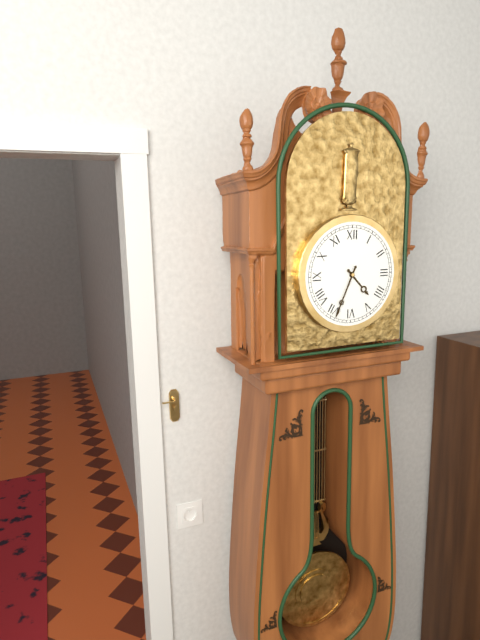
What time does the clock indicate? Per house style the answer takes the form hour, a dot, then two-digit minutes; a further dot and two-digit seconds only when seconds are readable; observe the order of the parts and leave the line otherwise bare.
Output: 4.34
